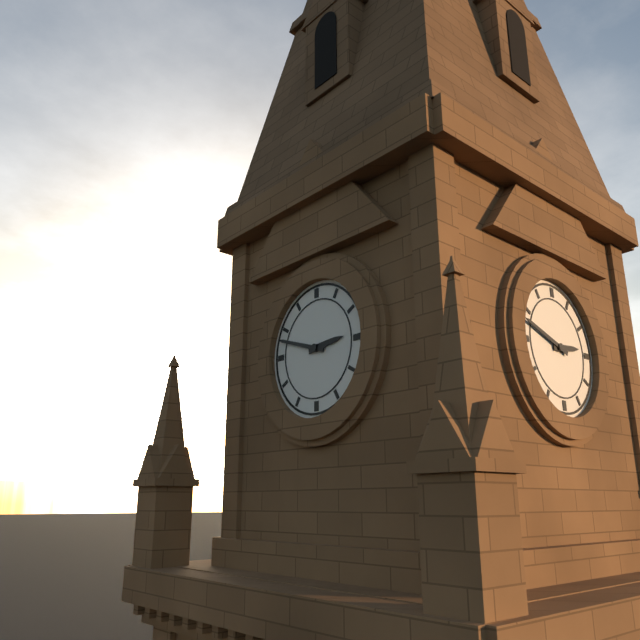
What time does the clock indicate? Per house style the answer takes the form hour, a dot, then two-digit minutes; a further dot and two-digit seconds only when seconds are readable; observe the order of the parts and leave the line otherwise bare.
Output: 2.48
